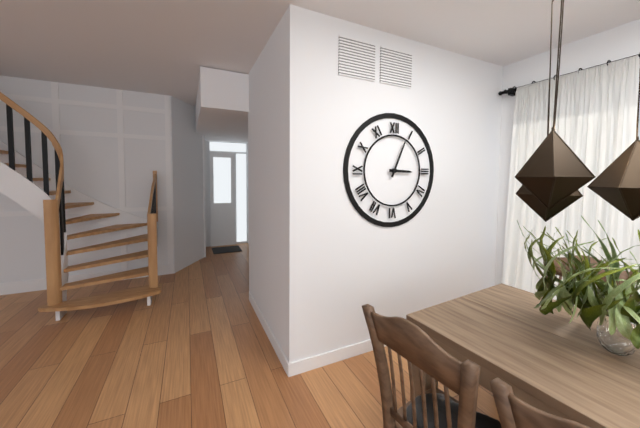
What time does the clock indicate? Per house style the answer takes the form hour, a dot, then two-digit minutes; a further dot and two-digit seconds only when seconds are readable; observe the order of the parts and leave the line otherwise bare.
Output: 3.04
